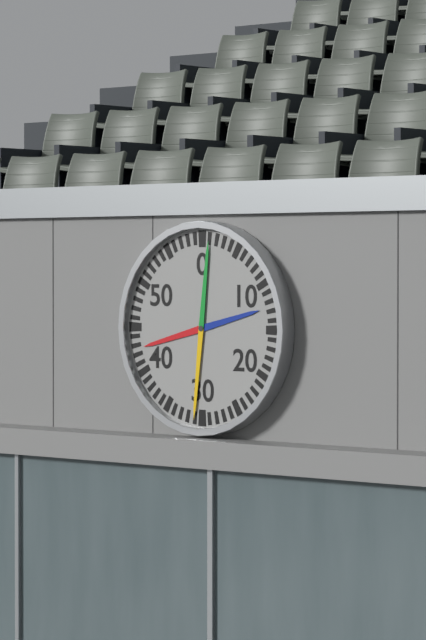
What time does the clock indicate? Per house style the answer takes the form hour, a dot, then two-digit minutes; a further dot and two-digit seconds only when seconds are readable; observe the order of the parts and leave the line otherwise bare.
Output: 8.31
